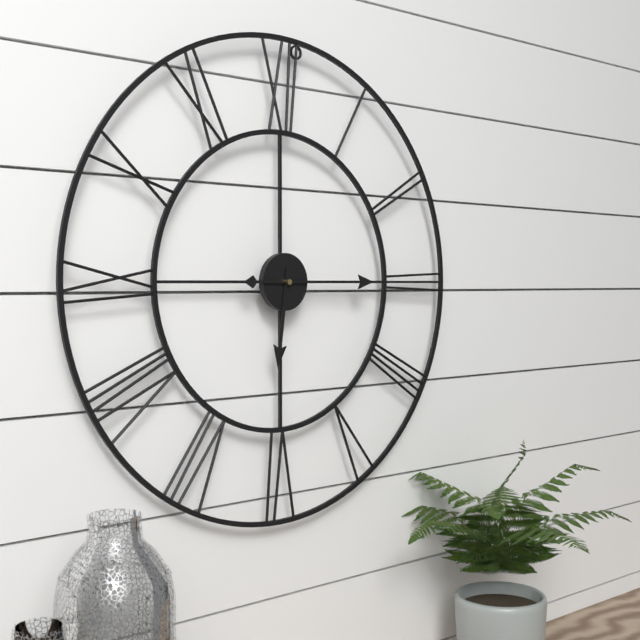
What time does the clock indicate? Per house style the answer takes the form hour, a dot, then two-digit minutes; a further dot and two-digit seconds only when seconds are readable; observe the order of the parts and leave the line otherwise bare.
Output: 6.15
